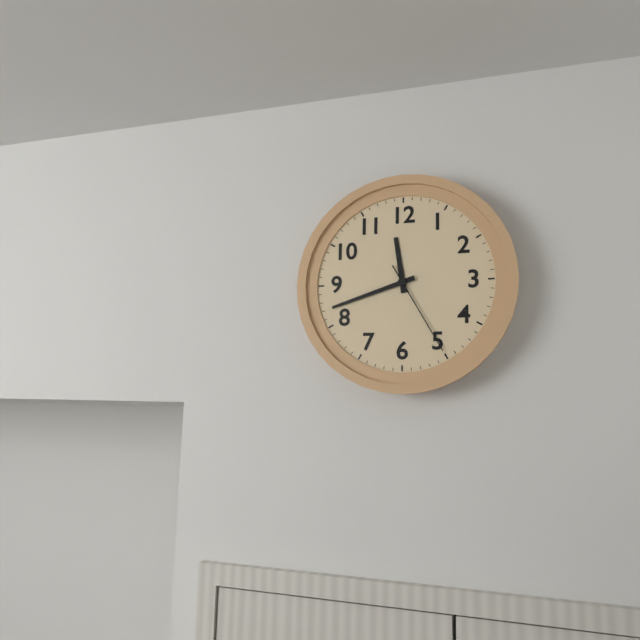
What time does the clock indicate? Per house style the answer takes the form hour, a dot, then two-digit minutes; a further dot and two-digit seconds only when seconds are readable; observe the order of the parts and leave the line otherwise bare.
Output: 11.42.25
